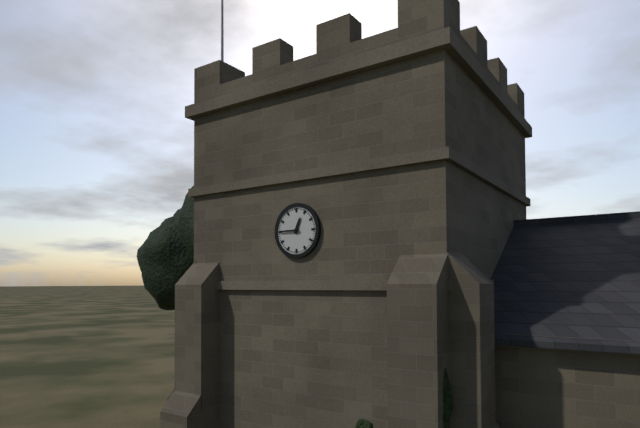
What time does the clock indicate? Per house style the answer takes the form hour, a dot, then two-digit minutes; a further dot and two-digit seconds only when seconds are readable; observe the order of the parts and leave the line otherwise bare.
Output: 12.45
